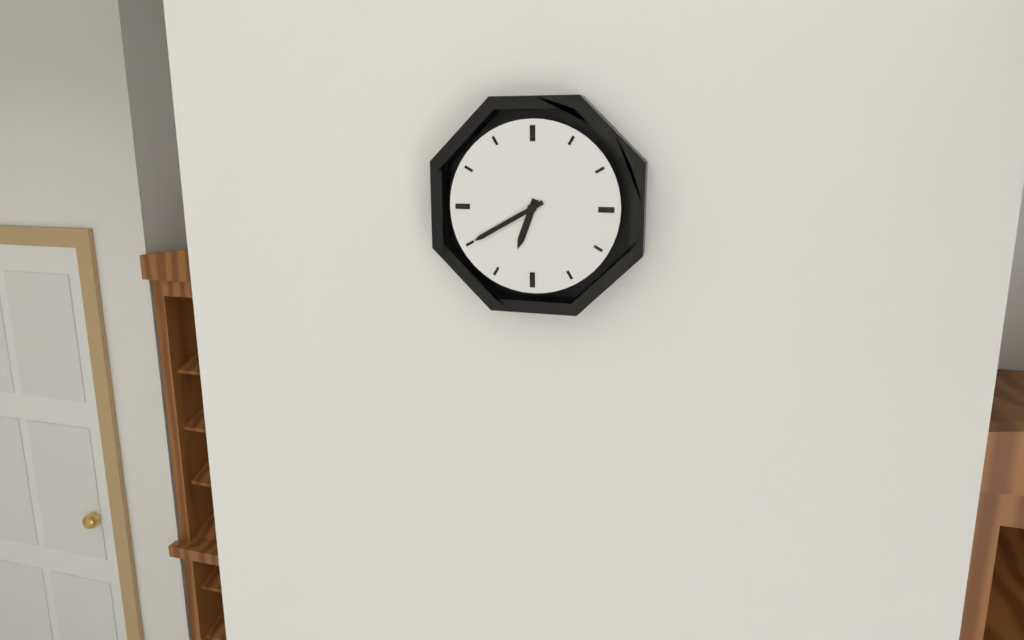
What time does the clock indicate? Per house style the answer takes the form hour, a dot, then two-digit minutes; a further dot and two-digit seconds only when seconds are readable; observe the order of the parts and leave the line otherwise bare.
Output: 6.40
